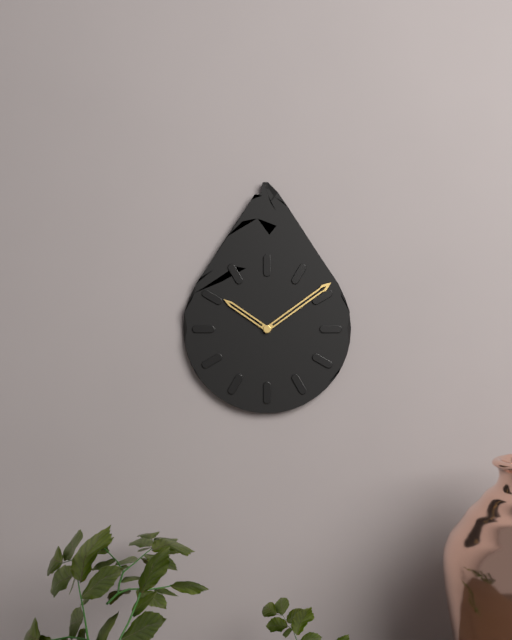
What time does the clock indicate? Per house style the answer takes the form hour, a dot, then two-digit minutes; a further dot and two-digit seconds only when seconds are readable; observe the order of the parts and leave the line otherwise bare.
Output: 10.09
